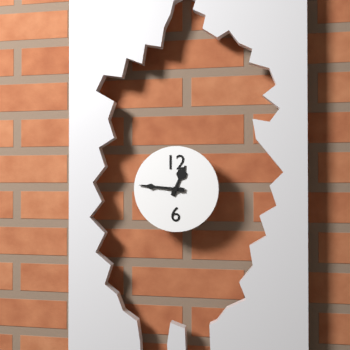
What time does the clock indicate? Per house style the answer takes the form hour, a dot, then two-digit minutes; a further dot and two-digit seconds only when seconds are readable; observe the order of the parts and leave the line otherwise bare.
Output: 12.46
